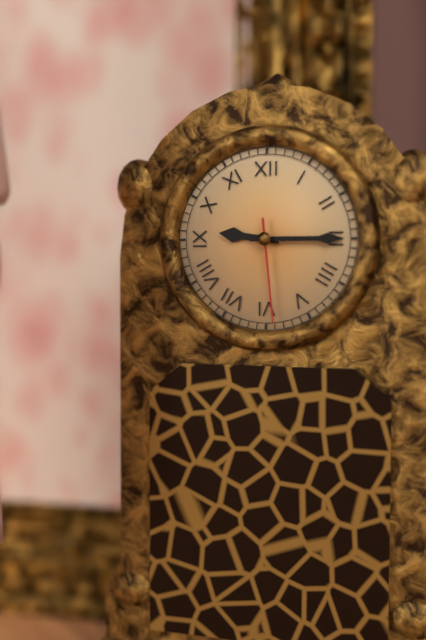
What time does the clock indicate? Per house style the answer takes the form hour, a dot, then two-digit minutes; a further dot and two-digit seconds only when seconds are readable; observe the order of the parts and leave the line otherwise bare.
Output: 9.15.29
